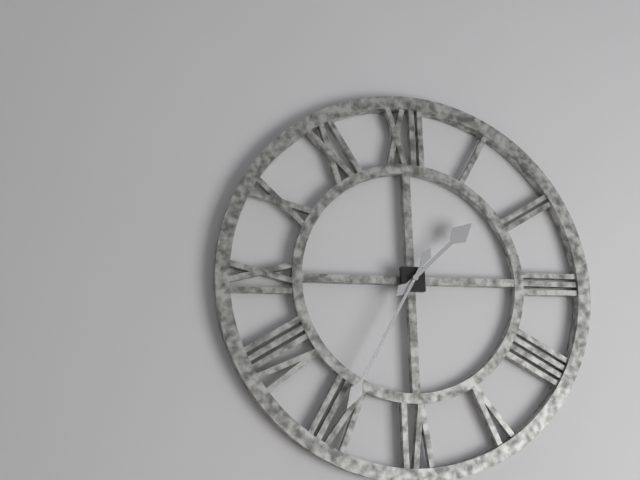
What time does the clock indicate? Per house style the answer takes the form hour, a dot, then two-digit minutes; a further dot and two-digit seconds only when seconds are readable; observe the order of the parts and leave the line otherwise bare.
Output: 1.35
